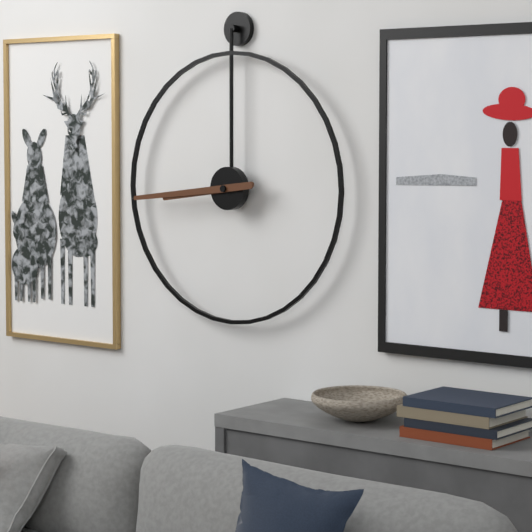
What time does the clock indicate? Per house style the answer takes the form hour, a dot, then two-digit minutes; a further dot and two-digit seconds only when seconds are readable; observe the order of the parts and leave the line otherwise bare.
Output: 8.44
